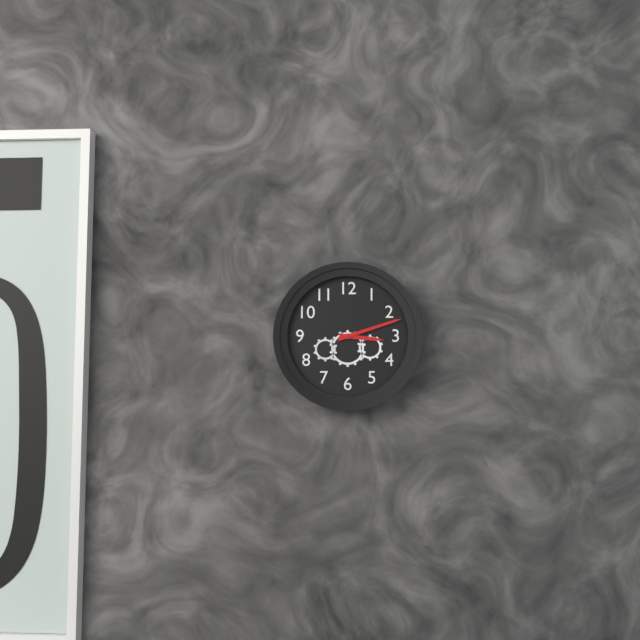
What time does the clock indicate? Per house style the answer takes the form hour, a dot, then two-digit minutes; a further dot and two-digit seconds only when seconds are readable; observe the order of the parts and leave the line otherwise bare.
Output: 3.12
